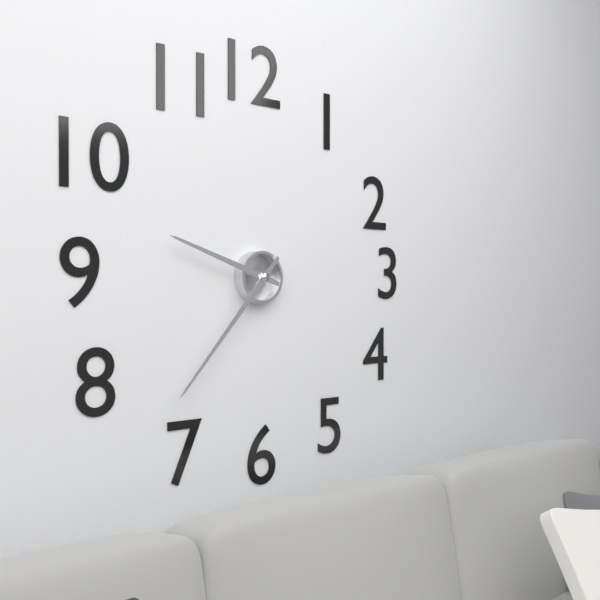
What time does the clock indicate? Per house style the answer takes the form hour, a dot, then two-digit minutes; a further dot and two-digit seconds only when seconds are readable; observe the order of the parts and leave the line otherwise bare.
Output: 9.37
